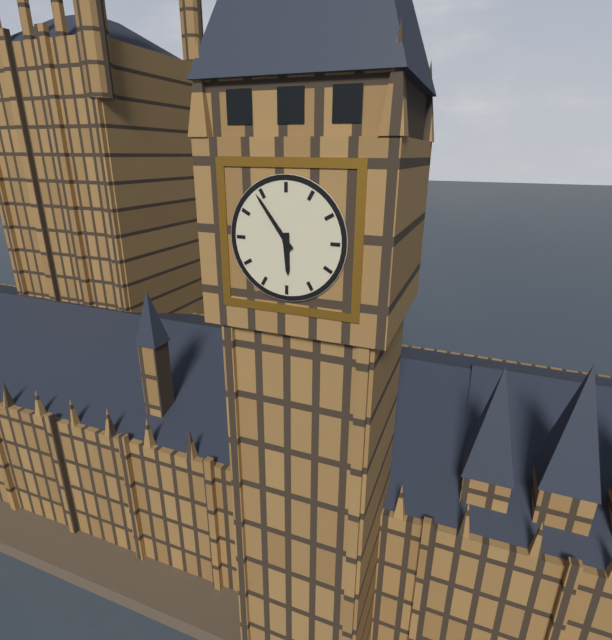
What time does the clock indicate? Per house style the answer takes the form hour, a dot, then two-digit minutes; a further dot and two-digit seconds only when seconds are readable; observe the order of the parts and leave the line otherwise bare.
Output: 5.54
